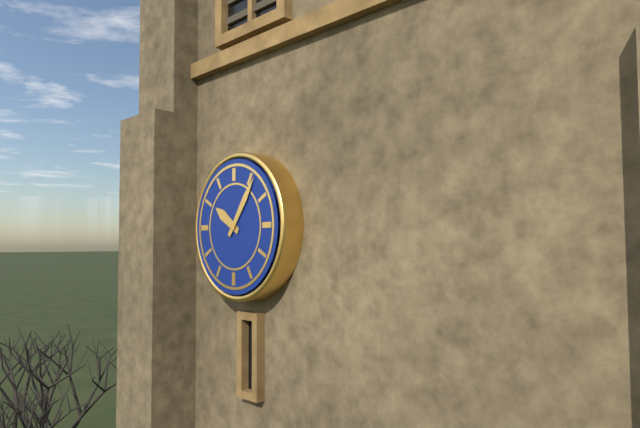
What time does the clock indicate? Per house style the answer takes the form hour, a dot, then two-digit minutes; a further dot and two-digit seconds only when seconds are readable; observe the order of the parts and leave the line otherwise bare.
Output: 10.06
